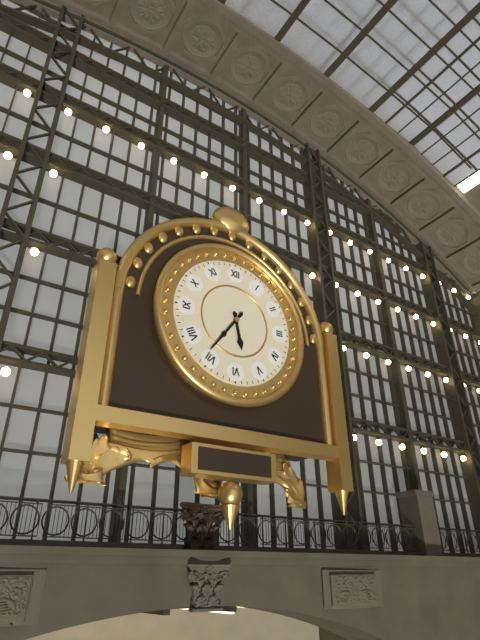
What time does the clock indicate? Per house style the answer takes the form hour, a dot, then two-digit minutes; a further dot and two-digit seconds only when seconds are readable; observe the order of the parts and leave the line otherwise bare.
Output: 5.36
